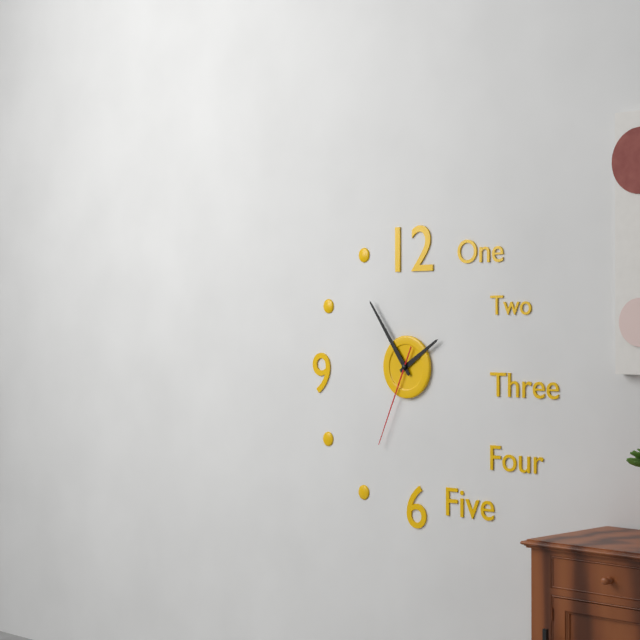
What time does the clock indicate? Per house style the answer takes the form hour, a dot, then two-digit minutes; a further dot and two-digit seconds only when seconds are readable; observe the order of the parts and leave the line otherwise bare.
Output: 1.54.34
